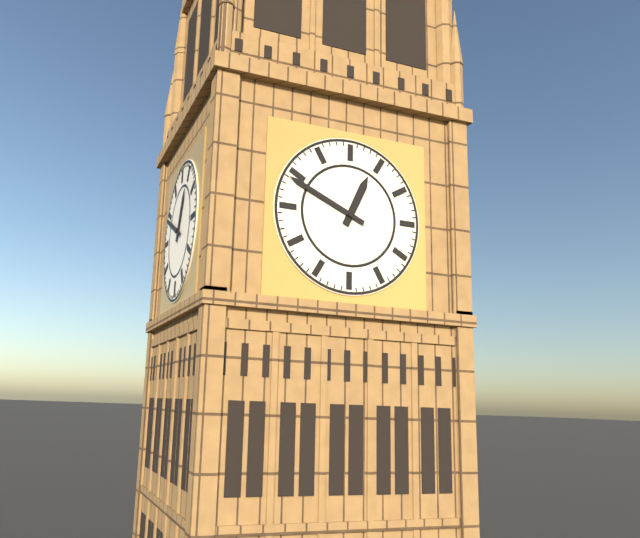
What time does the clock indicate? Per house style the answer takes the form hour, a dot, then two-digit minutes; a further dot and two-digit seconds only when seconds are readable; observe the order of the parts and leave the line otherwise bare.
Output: 12.49
